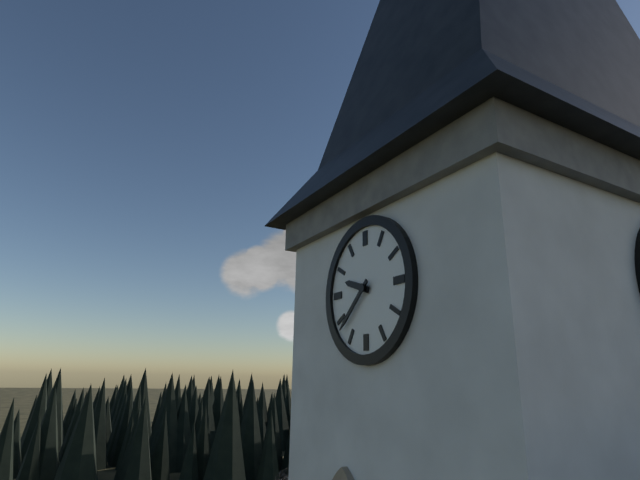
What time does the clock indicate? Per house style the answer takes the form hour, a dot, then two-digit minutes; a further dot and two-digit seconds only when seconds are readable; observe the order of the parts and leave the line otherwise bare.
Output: 9.38
